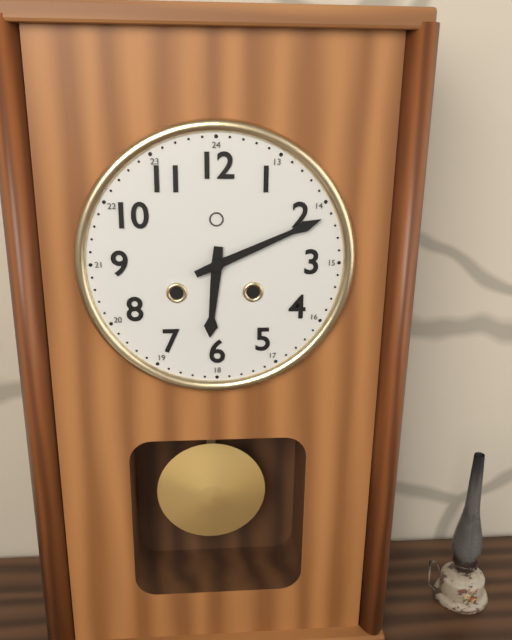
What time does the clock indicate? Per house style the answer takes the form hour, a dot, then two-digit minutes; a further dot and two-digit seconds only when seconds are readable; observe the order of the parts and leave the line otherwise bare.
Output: 6.11
